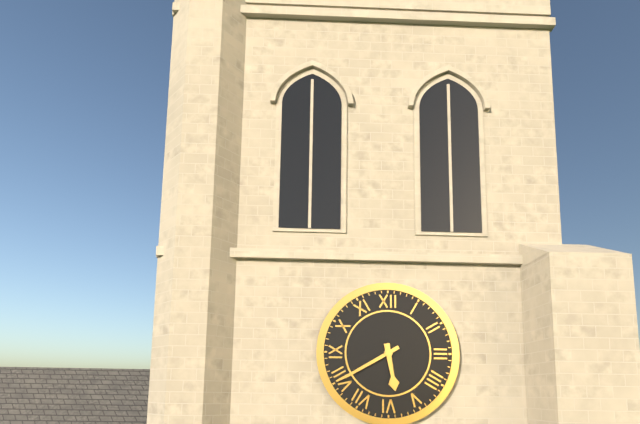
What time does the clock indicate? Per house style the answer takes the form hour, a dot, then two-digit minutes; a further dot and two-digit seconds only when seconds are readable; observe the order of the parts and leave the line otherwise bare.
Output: 5.40
